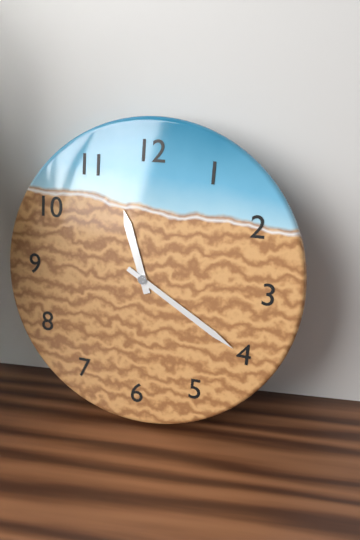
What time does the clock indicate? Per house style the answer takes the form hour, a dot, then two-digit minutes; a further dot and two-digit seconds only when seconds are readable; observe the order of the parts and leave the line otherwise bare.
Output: 11.20
